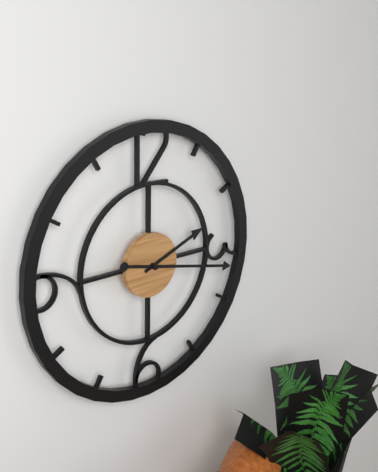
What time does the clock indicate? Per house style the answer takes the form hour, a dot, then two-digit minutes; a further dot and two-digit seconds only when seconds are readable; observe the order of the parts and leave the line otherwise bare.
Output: 2.17
